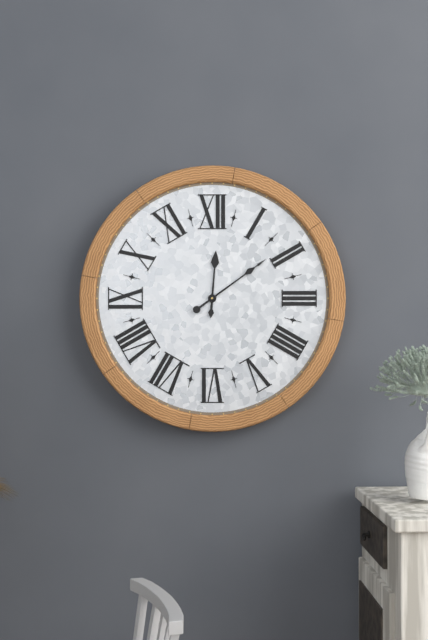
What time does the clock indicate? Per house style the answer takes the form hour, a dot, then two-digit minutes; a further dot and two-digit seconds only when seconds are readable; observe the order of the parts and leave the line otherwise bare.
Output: 12.09
